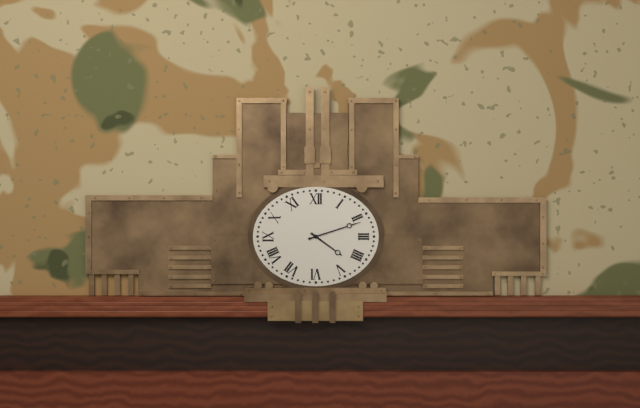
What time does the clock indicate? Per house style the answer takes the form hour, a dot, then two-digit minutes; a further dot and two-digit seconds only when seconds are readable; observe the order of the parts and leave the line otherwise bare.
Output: 4.12
